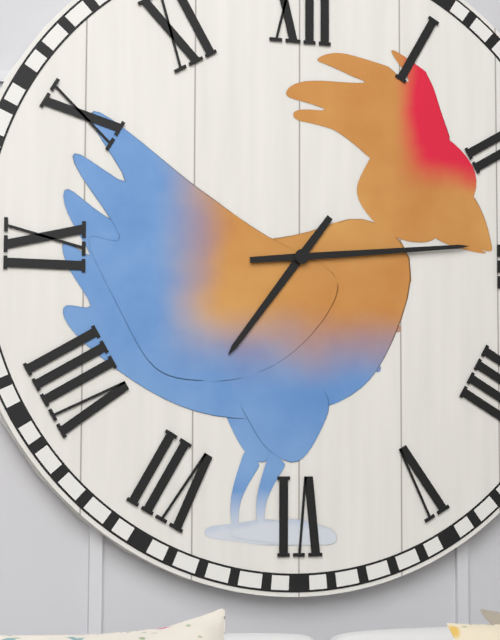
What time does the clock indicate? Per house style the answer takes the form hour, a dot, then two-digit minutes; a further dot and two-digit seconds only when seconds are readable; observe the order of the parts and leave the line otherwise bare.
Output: 7.14
